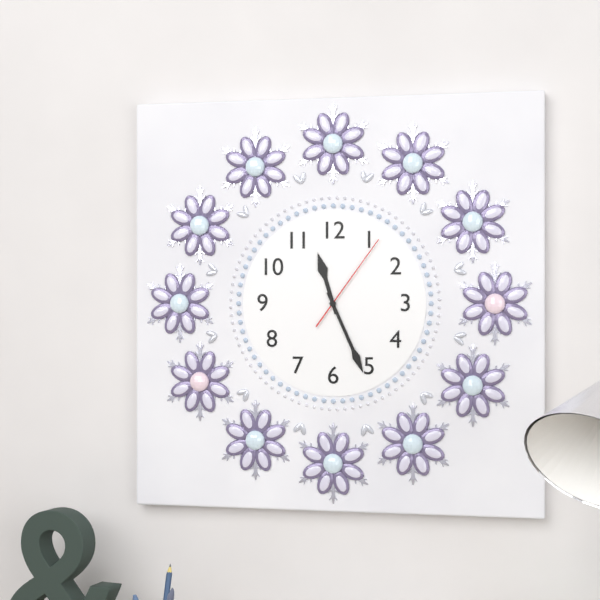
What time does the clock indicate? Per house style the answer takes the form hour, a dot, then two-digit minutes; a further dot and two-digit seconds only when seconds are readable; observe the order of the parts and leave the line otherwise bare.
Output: 11.26.06
